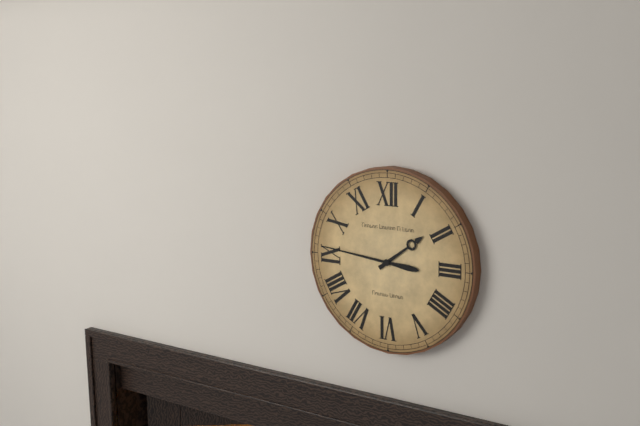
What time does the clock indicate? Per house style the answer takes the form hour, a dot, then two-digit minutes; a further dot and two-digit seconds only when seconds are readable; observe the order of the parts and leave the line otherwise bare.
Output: 1.46
